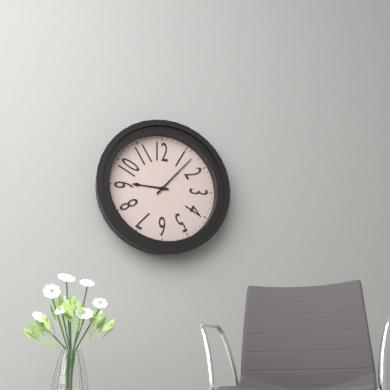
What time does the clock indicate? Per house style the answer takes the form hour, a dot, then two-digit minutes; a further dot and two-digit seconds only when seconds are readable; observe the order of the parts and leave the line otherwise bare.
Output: 9.07
